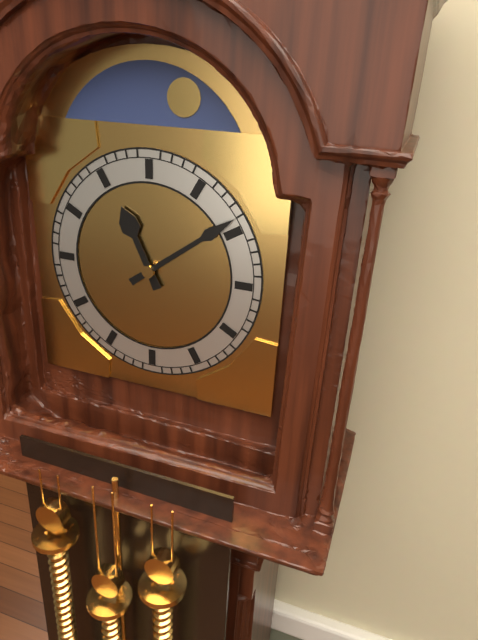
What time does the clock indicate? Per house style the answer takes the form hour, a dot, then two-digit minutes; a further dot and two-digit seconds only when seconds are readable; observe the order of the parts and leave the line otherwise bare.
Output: 11.09
